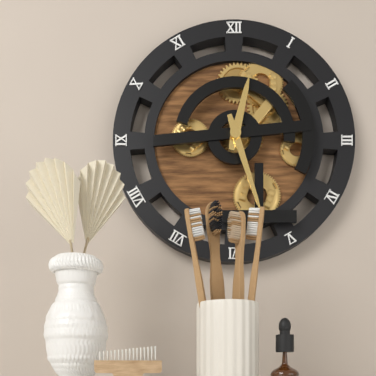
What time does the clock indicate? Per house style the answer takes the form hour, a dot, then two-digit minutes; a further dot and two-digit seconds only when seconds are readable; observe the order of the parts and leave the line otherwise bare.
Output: 12.27
